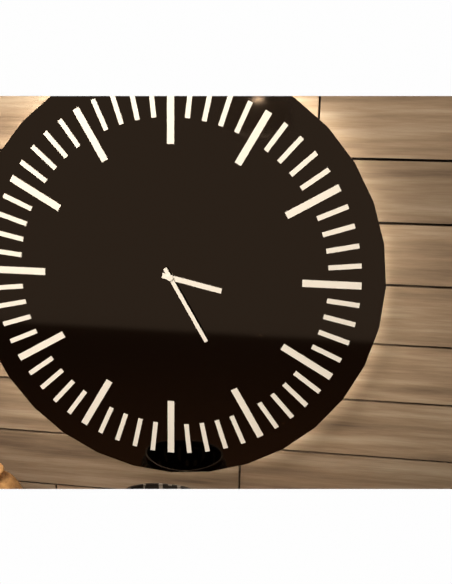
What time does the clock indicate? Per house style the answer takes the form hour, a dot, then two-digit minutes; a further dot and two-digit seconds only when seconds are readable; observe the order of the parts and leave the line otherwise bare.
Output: 3.25
